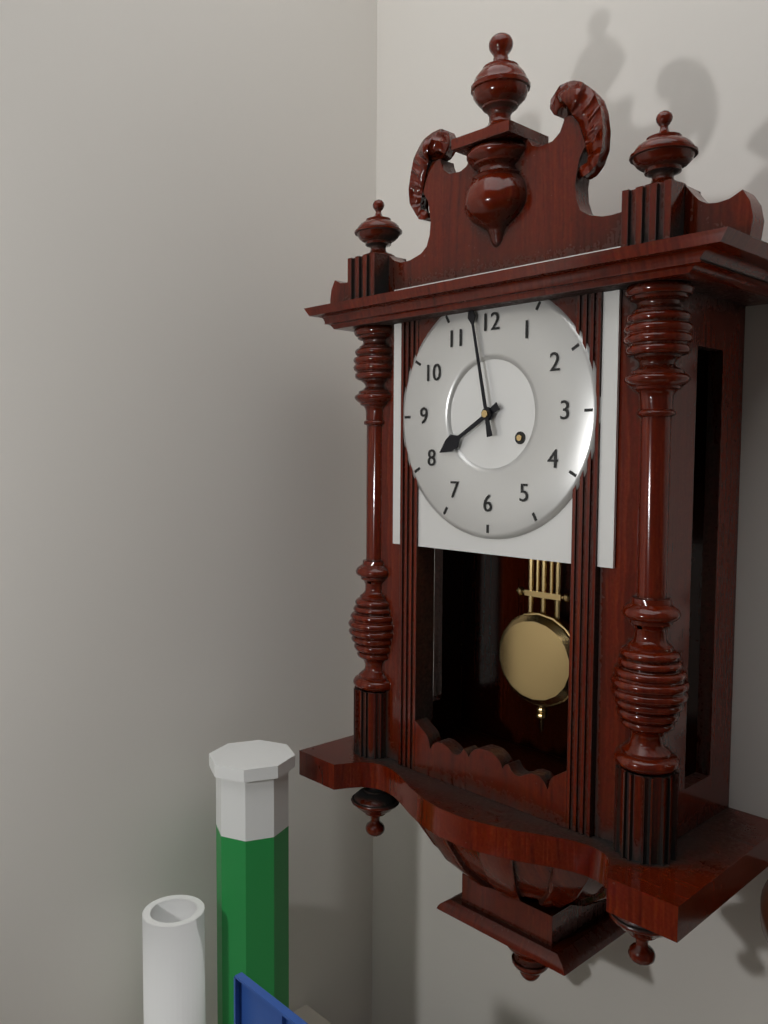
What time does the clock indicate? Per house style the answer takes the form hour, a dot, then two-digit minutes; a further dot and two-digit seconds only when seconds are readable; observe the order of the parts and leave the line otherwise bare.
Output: 7.58
